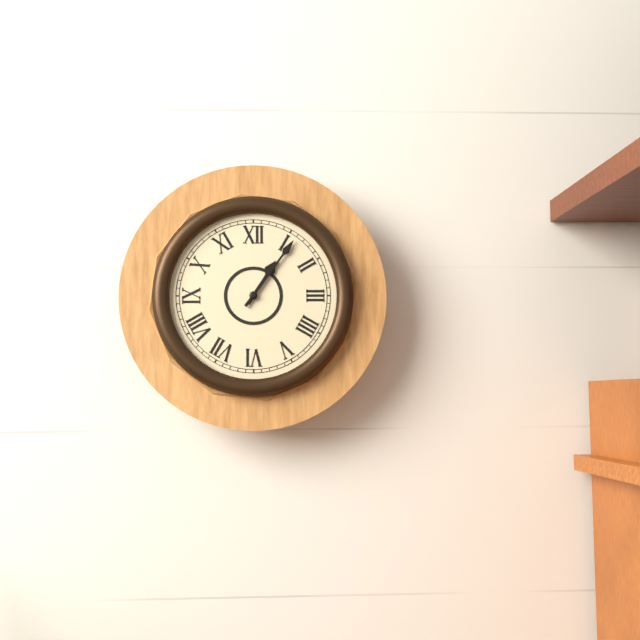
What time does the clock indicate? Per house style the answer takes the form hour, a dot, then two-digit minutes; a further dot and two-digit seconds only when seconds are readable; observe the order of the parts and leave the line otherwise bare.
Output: 1.06
